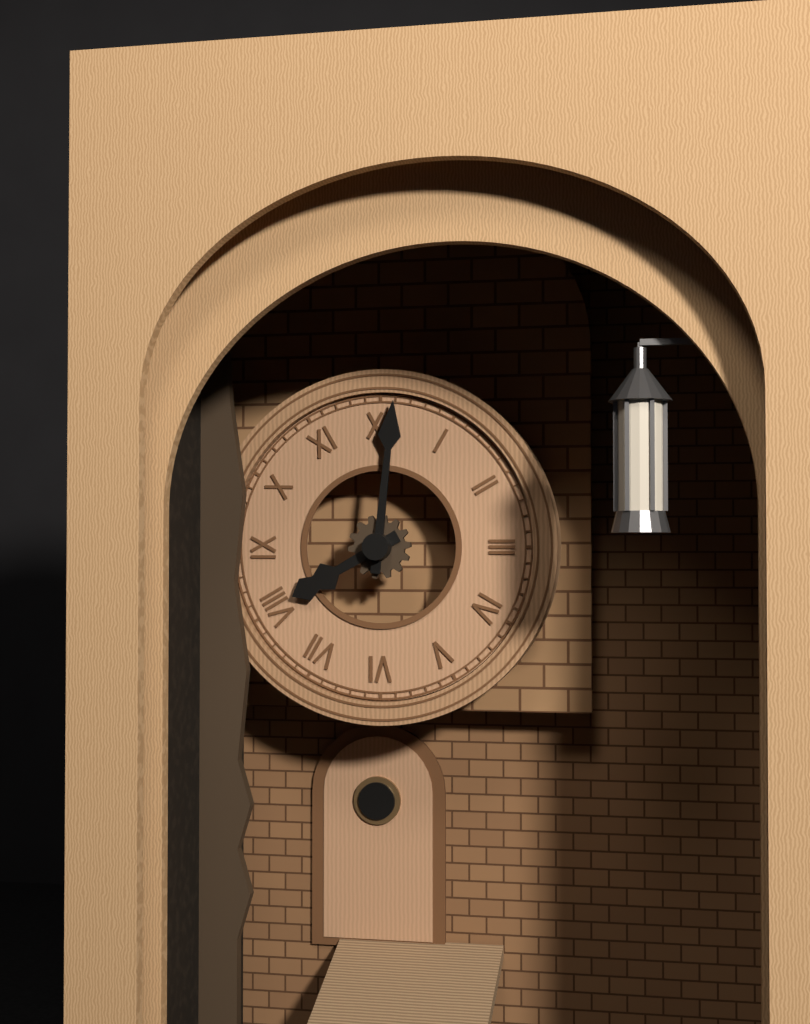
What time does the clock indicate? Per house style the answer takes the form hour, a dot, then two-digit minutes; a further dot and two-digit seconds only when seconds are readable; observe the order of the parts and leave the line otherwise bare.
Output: 8.01
